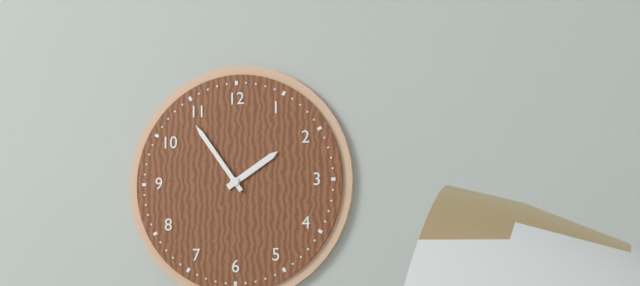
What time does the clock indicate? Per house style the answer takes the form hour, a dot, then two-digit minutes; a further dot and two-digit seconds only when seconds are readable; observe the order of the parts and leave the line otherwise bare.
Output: 1.54
